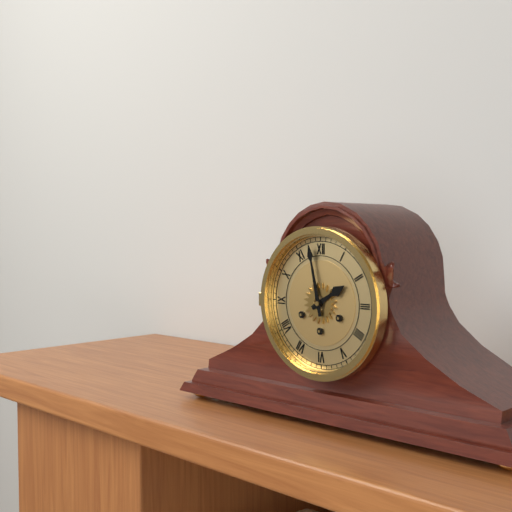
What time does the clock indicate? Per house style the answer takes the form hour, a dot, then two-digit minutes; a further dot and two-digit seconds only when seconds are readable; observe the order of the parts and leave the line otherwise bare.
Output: 1.58
